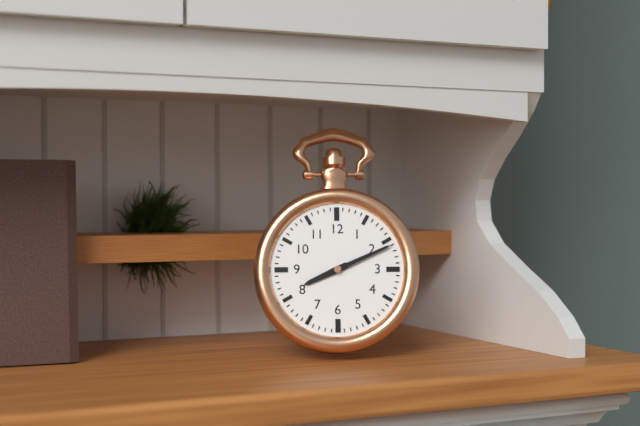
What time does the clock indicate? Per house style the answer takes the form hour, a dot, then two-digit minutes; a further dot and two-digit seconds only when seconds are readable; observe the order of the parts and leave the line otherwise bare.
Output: 8.11
